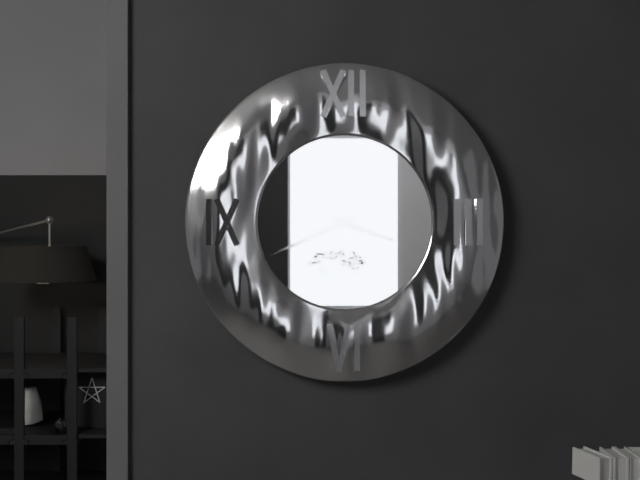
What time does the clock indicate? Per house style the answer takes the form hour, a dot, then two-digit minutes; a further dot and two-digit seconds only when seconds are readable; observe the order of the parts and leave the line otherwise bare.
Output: 3.41
